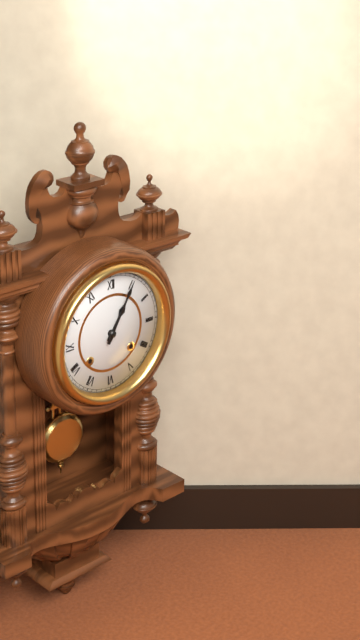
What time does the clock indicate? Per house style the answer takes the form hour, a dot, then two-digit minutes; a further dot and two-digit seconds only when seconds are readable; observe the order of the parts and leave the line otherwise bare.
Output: 1.05
